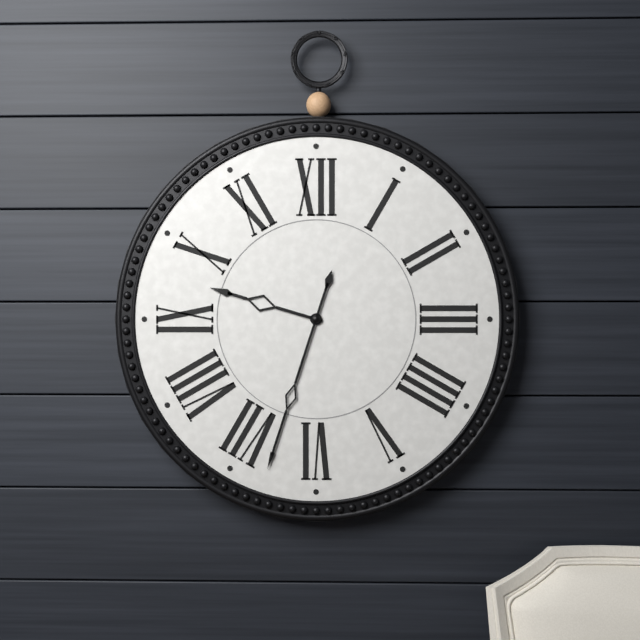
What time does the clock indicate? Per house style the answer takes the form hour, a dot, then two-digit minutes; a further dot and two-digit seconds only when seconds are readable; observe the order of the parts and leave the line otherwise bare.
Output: 9.33
